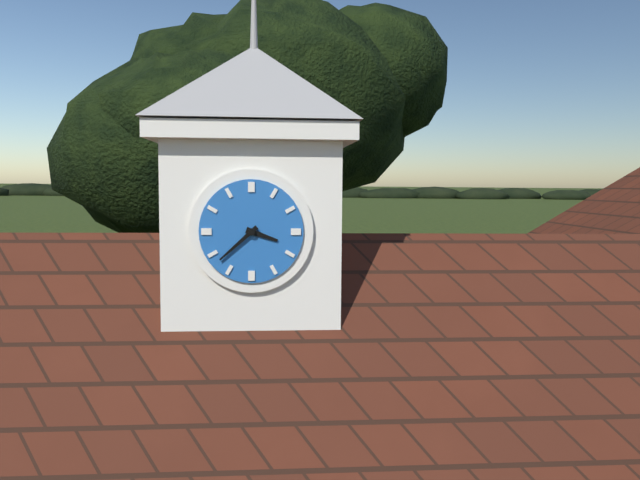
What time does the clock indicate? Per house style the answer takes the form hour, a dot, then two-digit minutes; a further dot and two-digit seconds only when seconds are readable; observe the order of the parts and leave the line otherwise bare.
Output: 3.38
